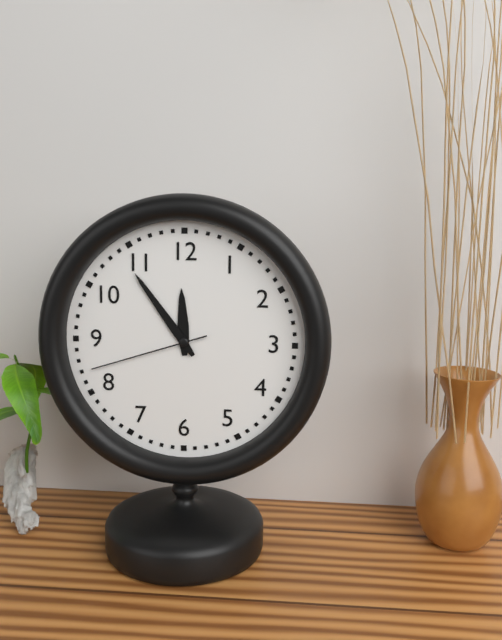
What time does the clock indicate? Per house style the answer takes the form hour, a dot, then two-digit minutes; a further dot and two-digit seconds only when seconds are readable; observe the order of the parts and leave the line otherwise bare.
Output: 11.54.42
